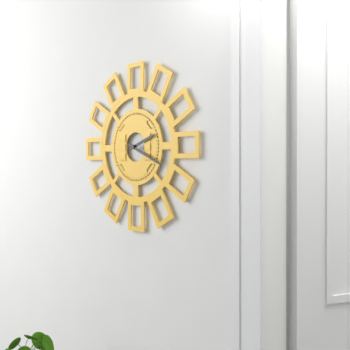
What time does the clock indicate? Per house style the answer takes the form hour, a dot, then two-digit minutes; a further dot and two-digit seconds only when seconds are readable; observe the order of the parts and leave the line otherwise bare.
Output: 2.19
